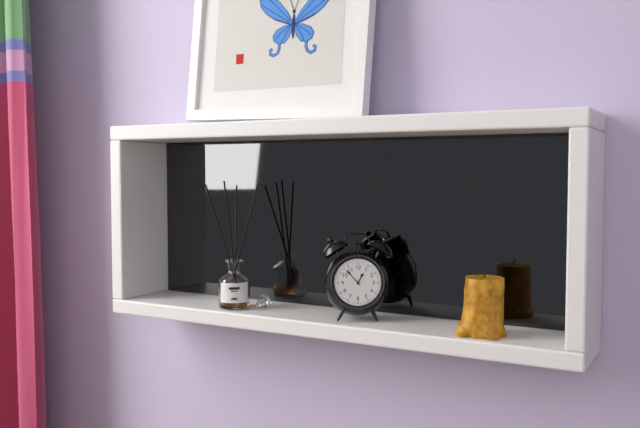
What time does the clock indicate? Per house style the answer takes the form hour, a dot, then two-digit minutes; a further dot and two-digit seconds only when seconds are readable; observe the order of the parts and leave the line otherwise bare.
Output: 12.53
